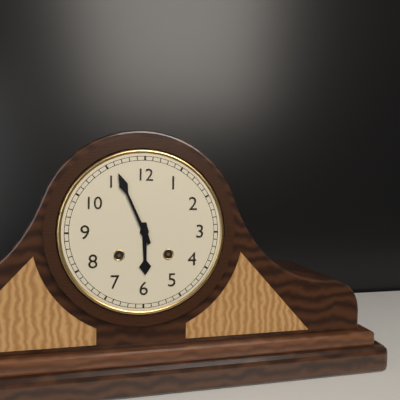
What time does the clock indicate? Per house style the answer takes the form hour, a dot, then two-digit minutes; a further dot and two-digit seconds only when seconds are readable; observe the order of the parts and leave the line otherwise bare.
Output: 5.56
